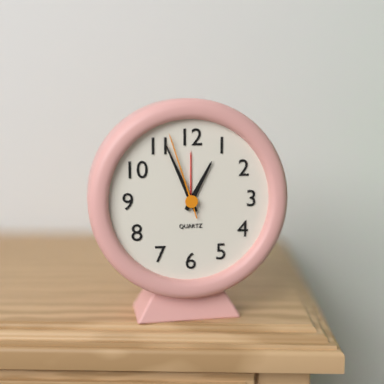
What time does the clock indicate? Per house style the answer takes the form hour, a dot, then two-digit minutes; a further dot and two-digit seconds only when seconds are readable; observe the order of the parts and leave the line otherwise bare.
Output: 12.56.57
